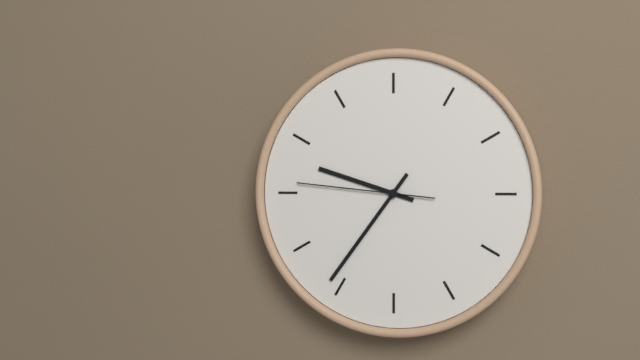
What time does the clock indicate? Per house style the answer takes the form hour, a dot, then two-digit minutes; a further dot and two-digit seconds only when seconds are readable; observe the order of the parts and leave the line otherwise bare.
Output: 9.36.46
